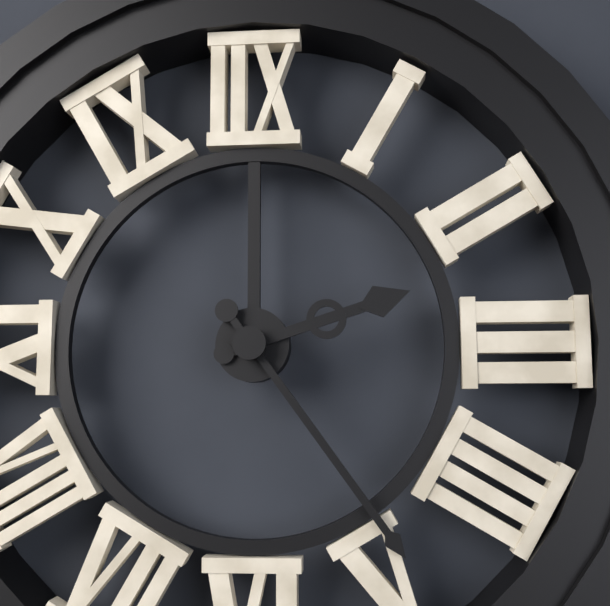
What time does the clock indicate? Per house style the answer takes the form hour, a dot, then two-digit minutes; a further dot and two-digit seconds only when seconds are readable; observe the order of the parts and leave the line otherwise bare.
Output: 2.24
